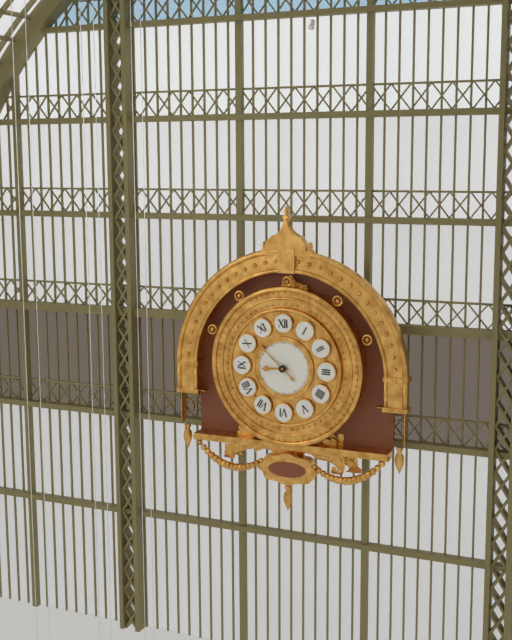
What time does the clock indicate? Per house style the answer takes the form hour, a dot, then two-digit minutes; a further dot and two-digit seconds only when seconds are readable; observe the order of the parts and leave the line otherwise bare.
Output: 8.52
